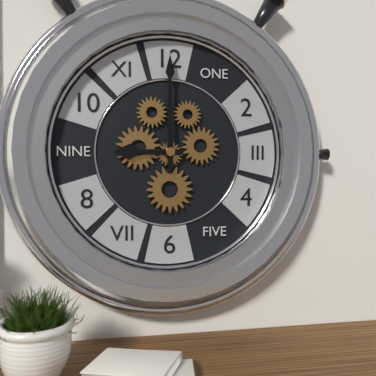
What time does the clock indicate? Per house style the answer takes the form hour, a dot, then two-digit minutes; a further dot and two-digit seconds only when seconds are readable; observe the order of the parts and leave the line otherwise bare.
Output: 9.00
